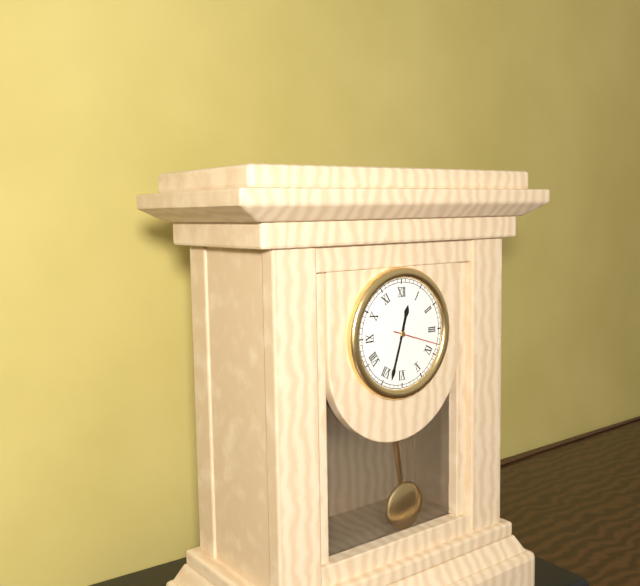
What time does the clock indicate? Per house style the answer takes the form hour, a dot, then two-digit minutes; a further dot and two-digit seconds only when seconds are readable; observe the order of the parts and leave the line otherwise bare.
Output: 12.33
